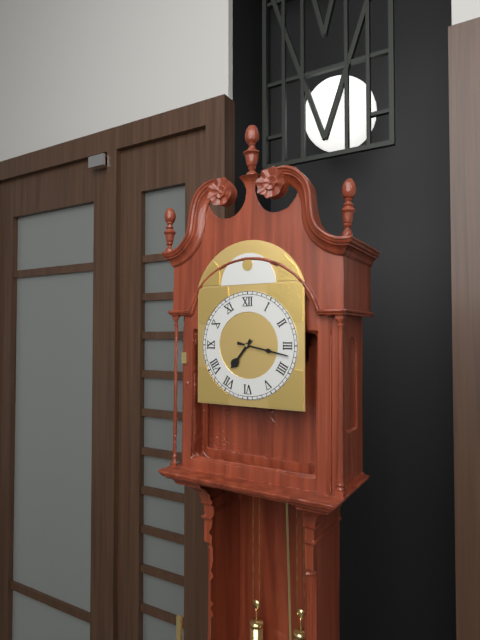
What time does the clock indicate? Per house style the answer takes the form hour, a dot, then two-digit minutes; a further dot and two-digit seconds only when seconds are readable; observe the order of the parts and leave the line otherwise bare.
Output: 7.17
